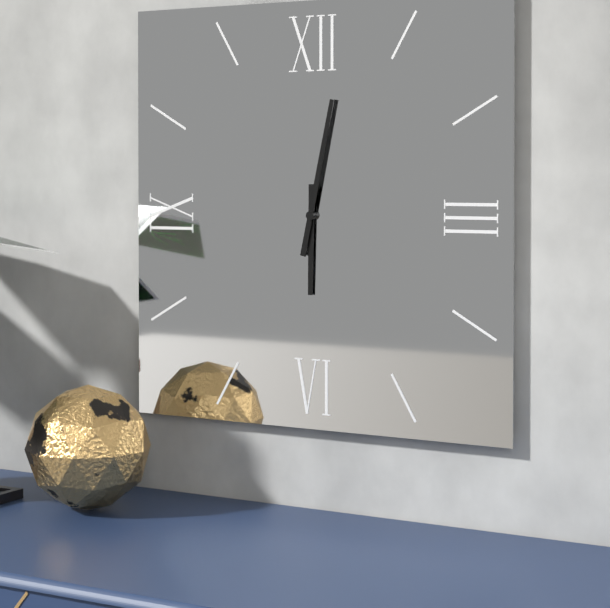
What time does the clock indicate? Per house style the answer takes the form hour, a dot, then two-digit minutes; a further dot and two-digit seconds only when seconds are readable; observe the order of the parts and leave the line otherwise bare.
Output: 6.02
